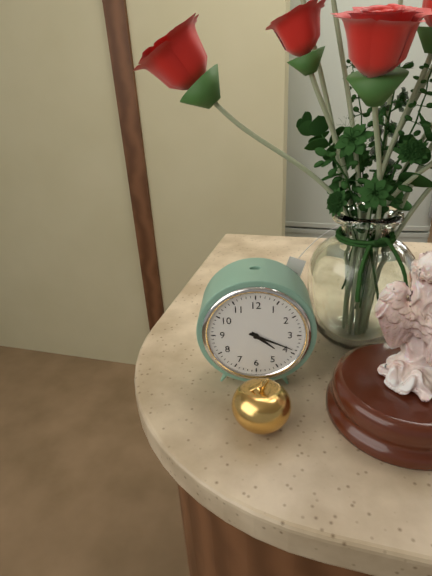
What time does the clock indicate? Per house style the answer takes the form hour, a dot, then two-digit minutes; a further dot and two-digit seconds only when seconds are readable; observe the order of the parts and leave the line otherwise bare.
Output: 4.19
